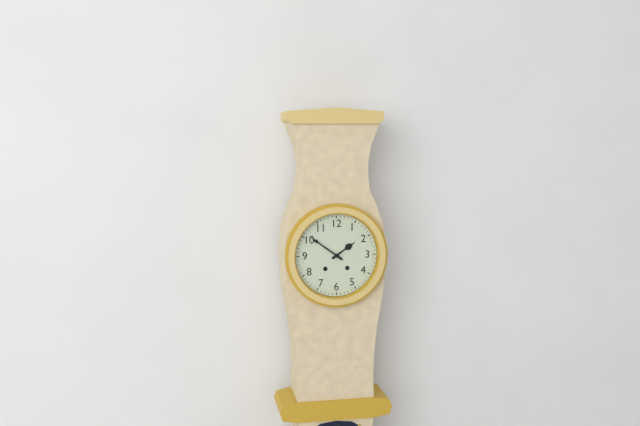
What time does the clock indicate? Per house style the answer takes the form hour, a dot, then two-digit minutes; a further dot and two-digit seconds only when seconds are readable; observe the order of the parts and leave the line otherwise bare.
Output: 1.51
